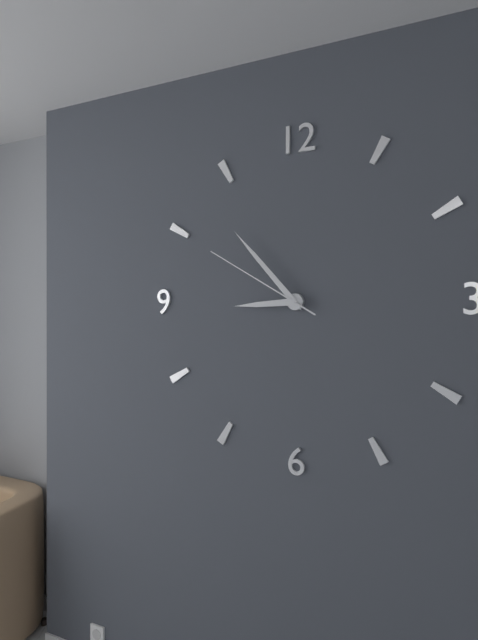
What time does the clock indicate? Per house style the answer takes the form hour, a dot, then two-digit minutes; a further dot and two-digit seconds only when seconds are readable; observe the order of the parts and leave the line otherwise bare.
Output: 8.53.50
